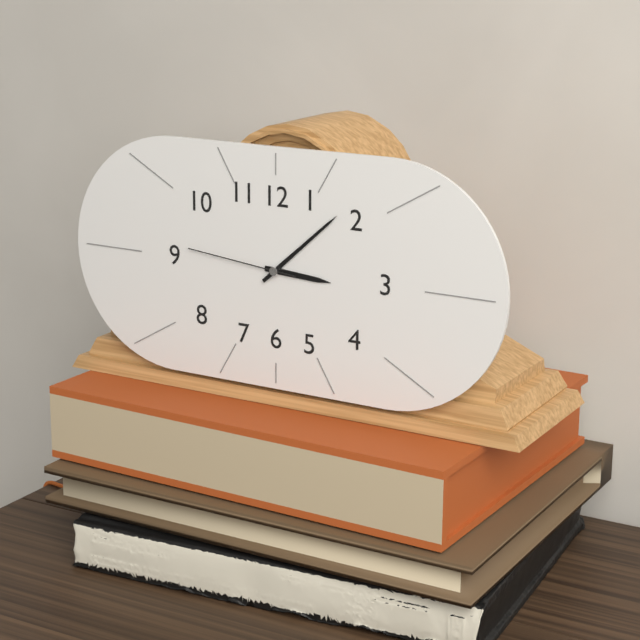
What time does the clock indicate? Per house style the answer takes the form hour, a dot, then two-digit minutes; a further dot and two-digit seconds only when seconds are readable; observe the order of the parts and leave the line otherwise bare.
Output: 3.08.46
